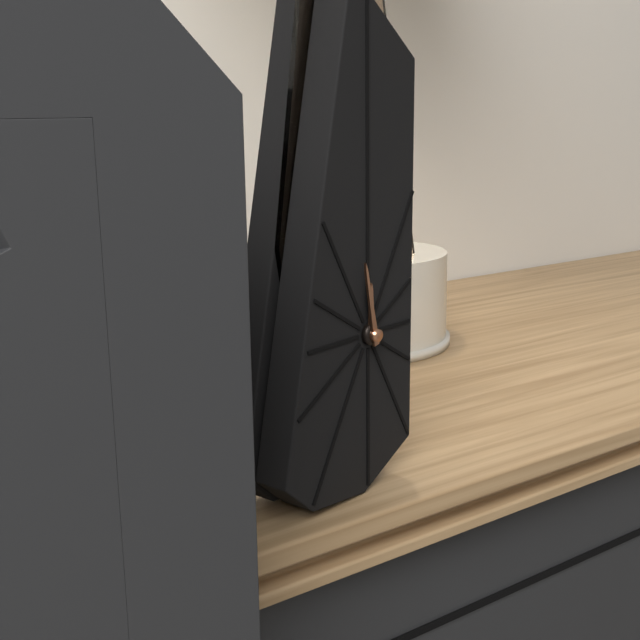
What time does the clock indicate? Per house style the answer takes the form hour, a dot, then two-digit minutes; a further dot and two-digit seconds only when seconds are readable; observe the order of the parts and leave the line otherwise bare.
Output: 11.58
